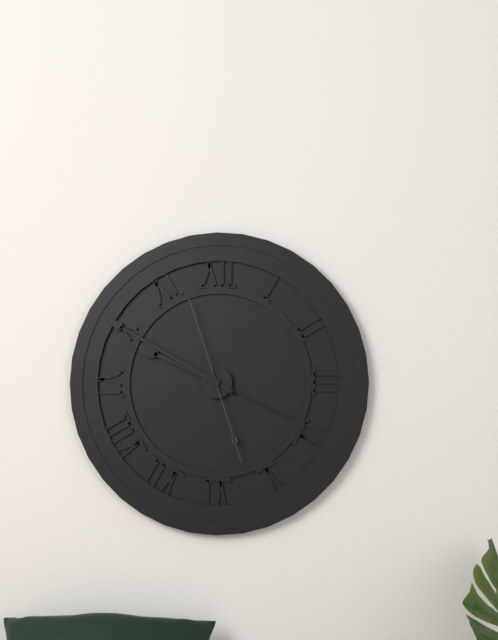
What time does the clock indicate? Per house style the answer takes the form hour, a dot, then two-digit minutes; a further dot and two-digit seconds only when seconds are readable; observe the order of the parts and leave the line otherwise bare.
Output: 9.50.57
